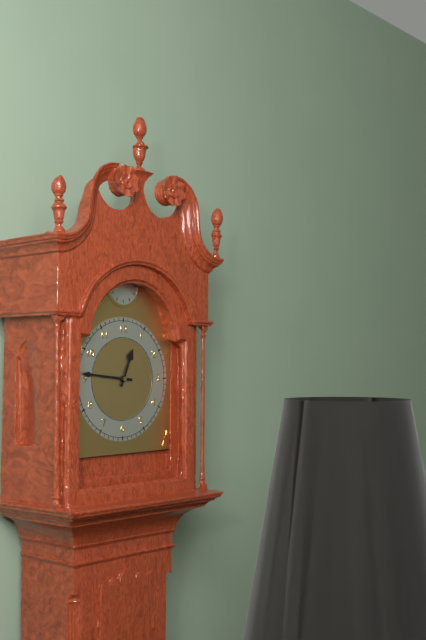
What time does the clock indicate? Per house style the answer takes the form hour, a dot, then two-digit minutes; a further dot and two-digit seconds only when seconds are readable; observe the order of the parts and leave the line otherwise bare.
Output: 12.46
